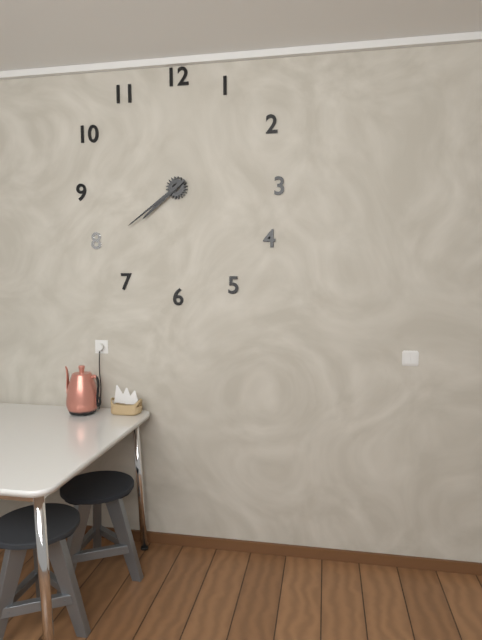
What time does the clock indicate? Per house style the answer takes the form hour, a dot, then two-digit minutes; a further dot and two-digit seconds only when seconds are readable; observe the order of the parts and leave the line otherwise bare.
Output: 7.39
